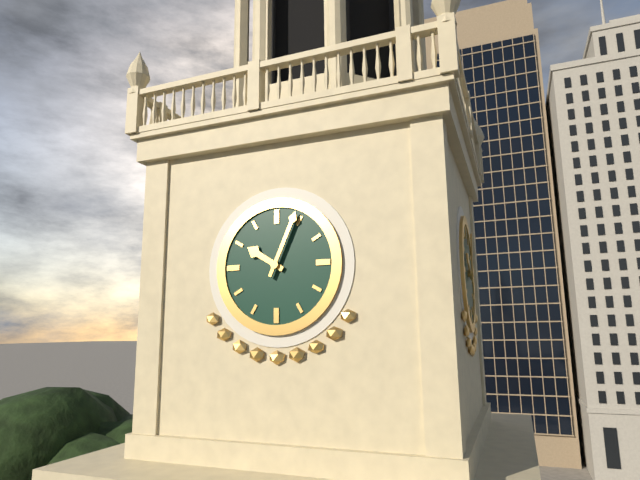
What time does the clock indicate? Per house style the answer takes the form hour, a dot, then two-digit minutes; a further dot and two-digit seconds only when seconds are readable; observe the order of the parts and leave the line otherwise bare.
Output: 10.04
